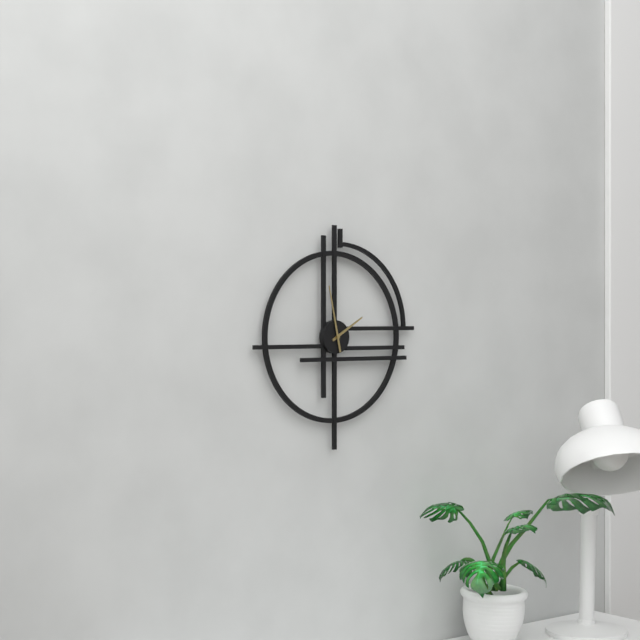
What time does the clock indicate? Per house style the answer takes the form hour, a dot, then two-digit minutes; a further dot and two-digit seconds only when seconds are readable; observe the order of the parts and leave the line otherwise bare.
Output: 1.58
